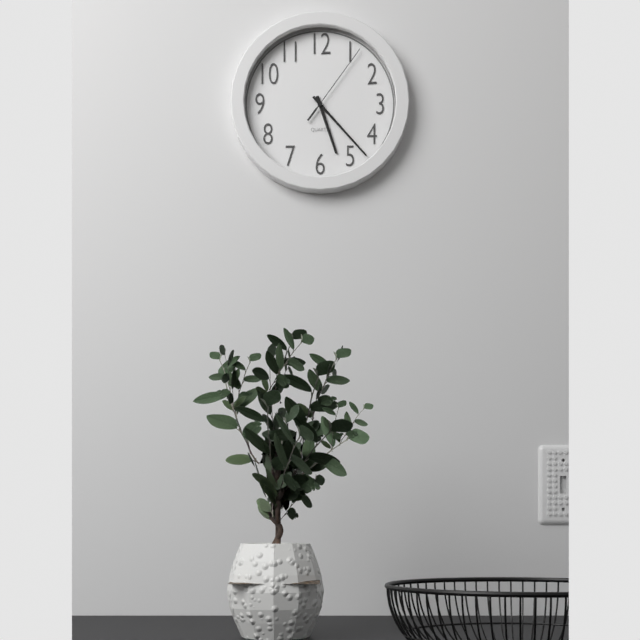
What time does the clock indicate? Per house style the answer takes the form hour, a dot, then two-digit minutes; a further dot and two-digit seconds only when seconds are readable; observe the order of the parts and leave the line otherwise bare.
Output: 5.23.06
